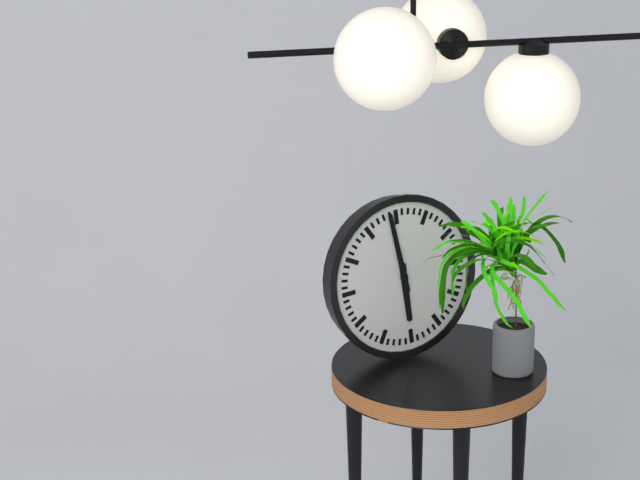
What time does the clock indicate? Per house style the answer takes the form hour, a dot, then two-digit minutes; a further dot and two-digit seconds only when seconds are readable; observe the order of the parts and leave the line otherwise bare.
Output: 5.59
